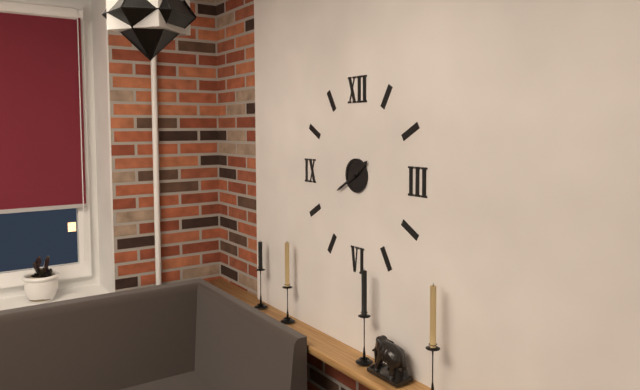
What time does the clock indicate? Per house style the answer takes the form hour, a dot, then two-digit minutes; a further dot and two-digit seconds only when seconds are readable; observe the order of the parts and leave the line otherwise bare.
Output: 1.40
